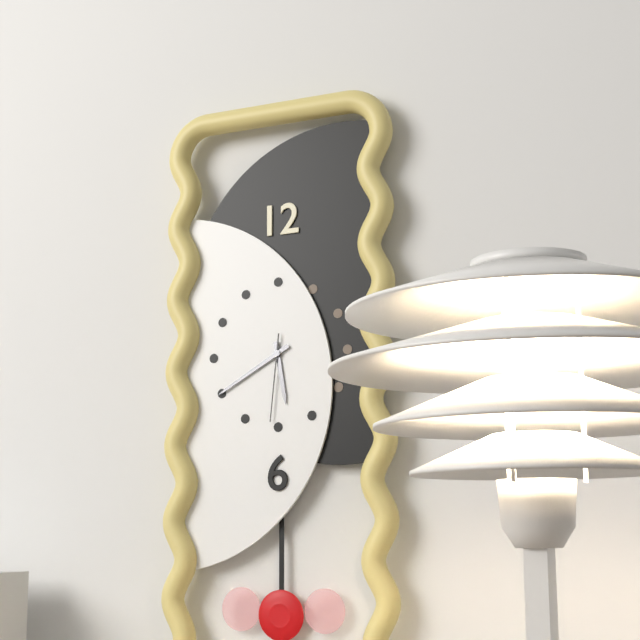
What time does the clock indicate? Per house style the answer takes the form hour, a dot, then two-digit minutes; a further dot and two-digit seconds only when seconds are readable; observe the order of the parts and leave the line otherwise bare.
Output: 5.40.31
